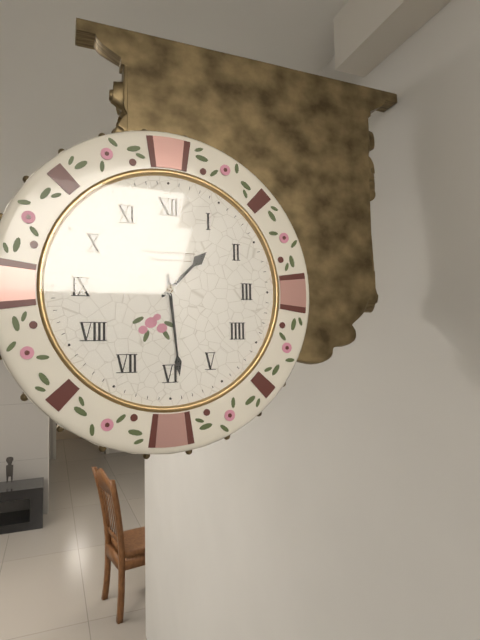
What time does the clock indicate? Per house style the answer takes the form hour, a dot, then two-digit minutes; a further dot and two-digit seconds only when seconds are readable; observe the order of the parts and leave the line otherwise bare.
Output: 1.29
